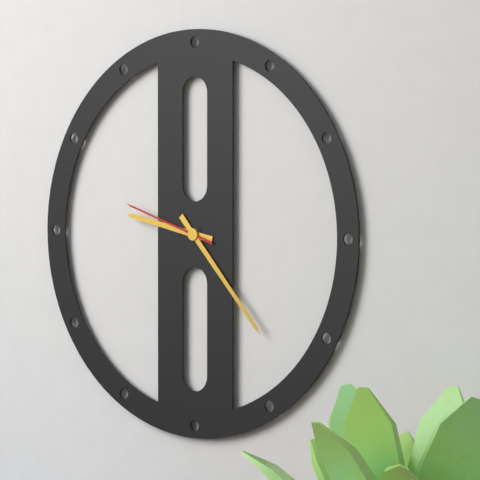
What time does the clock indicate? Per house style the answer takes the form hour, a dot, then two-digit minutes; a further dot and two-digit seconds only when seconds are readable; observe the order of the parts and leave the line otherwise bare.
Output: 9.23.48
